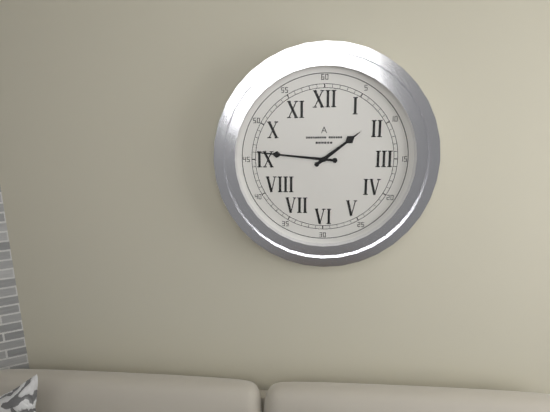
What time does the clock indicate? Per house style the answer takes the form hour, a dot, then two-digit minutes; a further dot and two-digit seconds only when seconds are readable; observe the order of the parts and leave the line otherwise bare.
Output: 1.46
